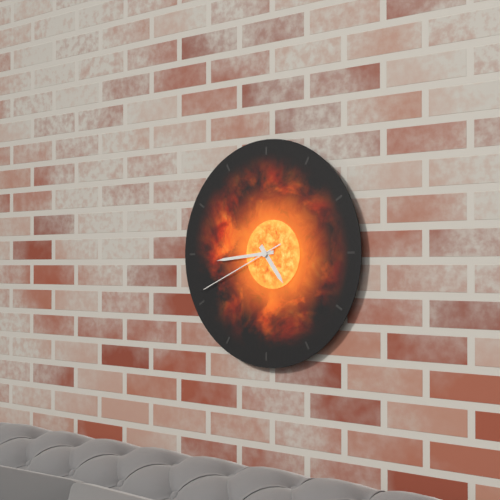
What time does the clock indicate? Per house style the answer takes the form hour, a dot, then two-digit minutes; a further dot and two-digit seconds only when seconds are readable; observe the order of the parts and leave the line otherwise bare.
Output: 4.44.41
